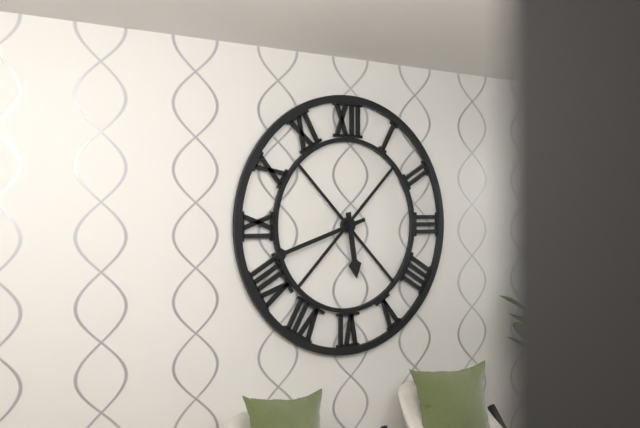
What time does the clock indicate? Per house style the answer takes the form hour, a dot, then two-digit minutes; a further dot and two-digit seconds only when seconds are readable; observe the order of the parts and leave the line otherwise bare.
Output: 5.42
